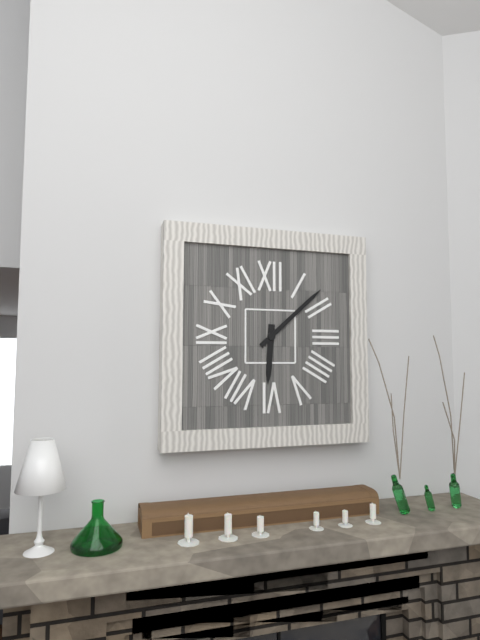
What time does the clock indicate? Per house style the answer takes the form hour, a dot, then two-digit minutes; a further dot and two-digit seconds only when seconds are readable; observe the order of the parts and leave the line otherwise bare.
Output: 6.08
